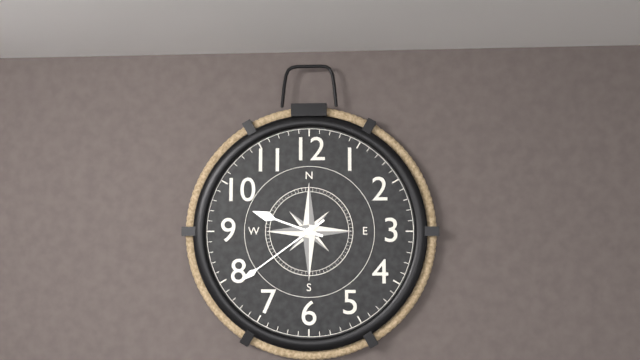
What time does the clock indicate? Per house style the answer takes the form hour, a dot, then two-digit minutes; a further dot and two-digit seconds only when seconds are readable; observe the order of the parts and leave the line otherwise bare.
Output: 9.39
